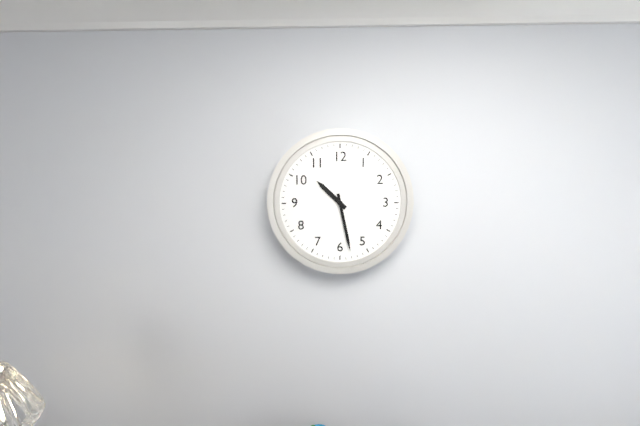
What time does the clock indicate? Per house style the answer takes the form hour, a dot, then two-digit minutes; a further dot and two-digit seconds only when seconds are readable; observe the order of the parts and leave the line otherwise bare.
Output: 10.28
